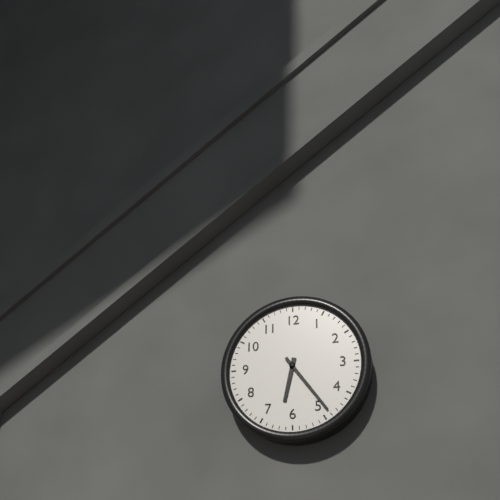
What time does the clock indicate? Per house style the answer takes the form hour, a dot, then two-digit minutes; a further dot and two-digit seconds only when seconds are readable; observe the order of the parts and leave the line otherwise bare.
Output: 6.24
